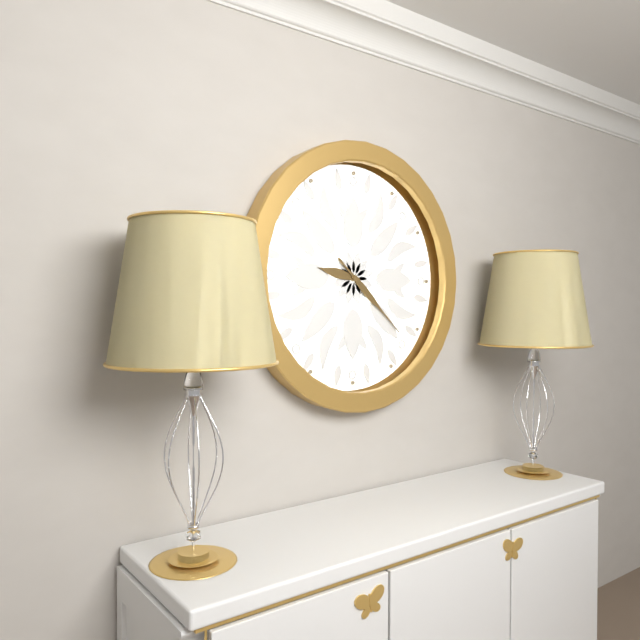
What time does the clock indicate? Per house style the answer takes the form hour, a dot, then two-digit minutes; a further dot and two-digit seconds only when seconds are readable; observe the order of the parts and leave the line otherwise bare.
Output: 9.22
